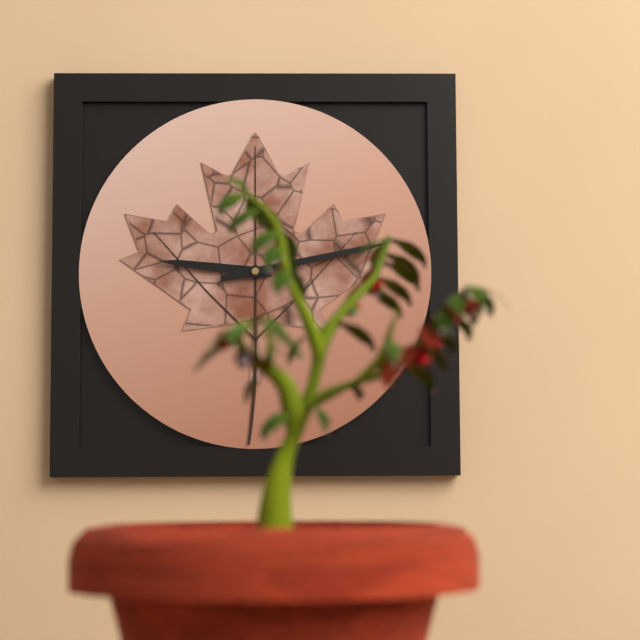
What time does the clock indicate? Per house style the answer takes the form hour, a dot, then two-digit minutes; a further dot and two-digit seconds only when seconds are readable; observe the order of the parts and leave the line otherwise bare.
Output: 9.13
